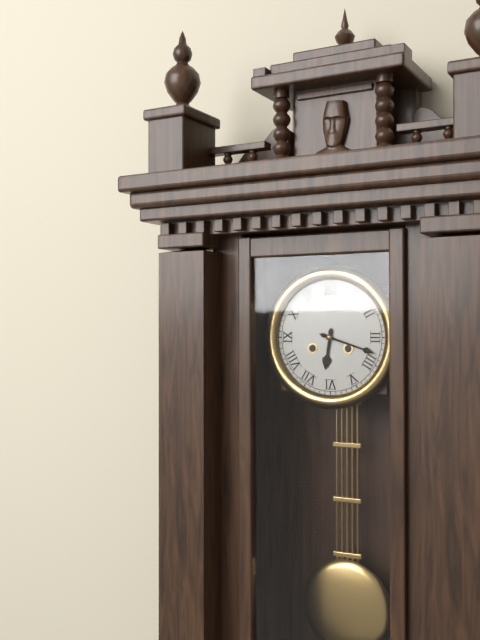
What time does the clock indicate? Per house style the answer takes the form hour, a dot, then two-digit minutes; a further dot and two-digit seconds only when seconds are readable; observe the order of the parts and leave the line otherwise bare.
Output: 6.18
